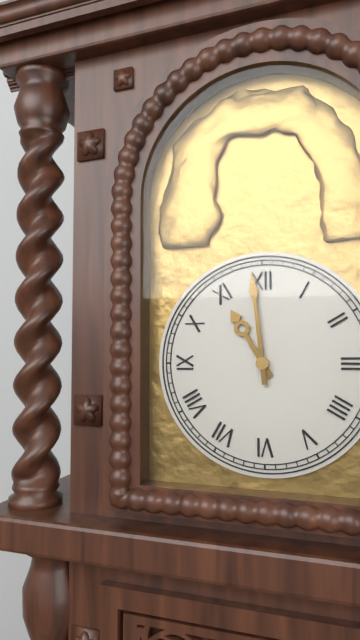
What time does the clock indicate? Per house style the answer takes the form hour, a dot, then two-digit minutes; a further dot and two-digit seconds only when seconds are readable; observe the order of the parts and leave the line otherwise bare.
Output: 10.59
